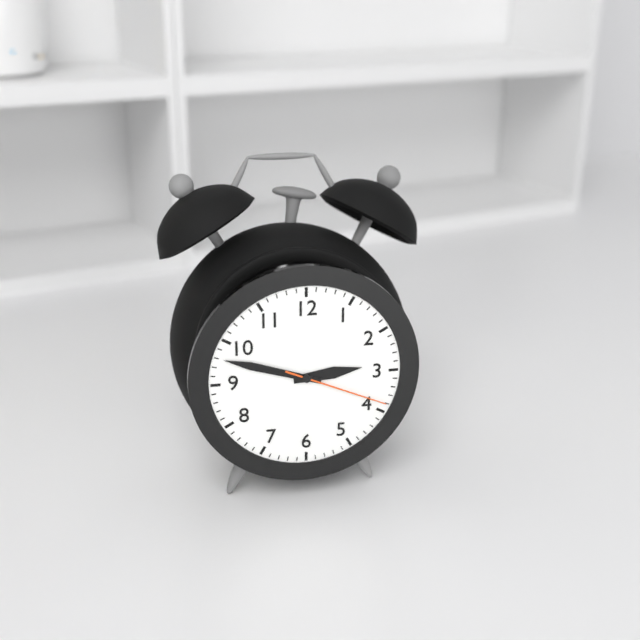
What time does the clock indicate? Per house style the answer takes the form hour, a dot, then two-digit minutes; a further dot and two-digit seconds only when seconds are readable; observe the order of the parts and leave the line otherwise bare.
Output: 2.48.19
